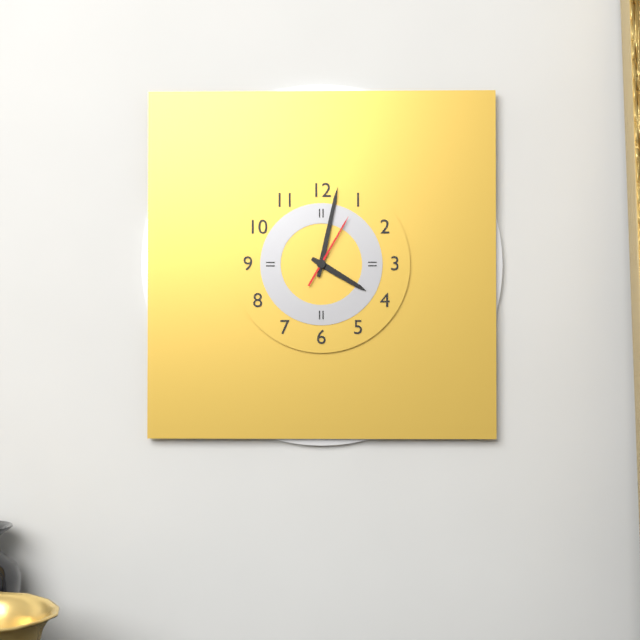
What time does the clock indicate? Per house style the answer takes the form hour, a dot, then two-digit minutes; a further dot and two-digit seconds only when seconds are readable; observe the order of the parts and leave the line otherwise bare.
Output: 4.02.05
